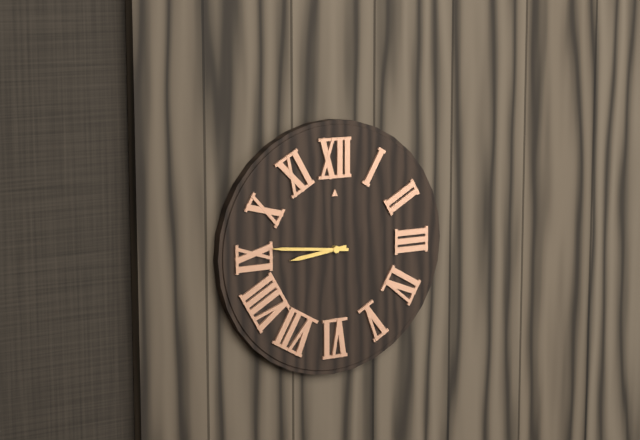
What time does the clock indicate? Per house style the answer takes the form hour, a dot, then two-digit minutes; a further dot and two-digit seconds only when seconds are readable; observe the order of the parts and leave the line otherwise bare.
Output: 8.46
